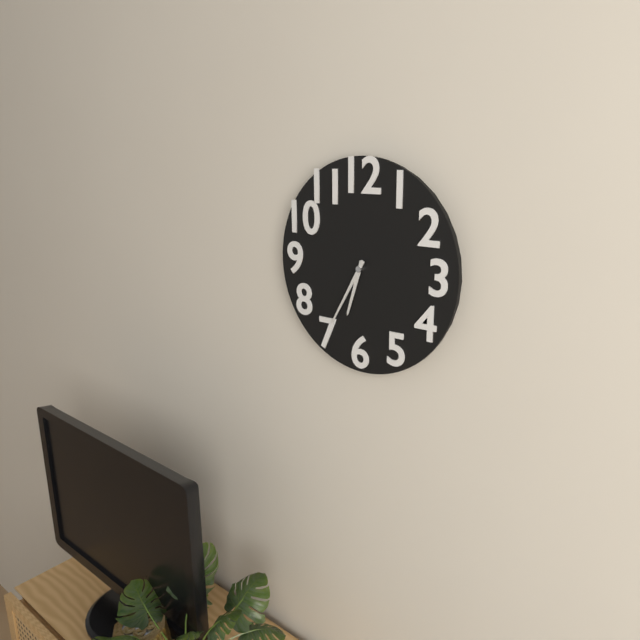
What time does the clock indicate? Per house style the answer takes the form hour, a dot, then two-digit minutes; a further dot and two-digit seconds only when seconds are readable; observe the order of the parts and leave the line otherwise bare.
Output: 6.35
